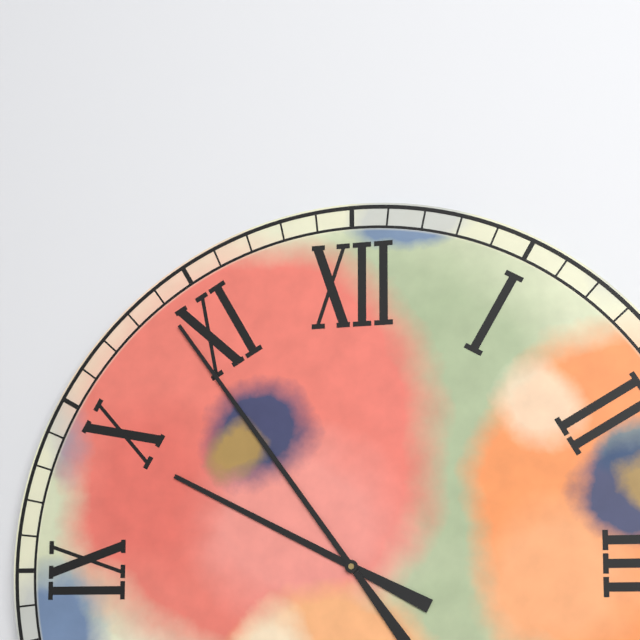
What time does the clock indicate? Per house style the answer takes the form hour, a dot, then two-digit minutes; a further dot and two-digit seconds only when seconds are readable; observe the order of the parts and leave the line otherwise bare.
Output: 9.54
